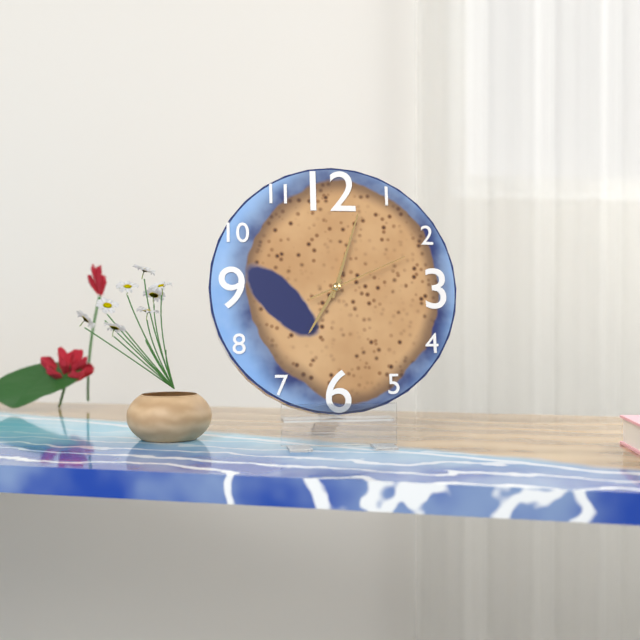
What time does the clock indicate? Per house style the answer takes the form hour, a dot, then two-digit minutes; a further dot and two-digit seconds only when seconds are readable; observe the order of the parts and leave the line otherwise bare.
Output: 7.03.11
